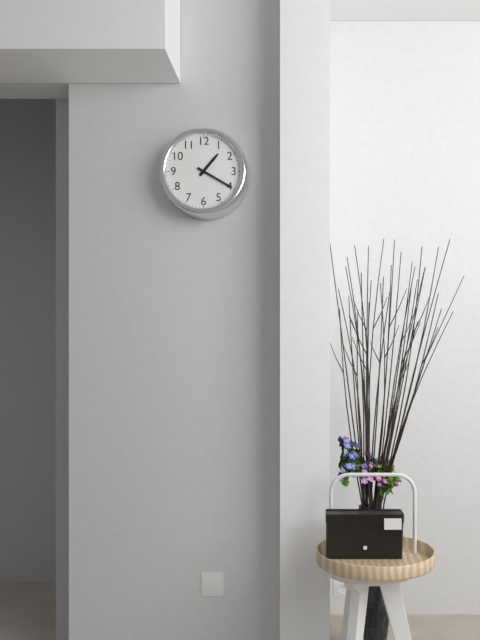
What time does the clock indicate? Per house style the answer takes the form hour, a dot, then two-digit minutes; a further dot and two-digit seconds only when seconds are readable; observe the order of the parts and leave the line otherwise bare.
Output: 1.20
